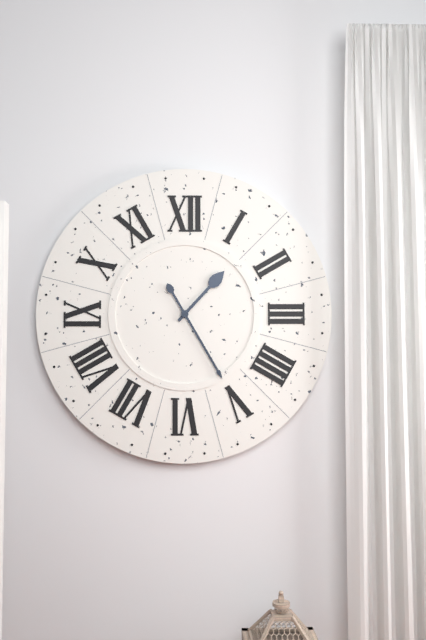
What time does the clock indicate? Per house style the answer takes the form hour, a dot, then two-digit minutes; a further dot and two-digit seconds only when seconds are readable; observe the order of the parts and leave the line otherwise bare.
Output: 1.25
